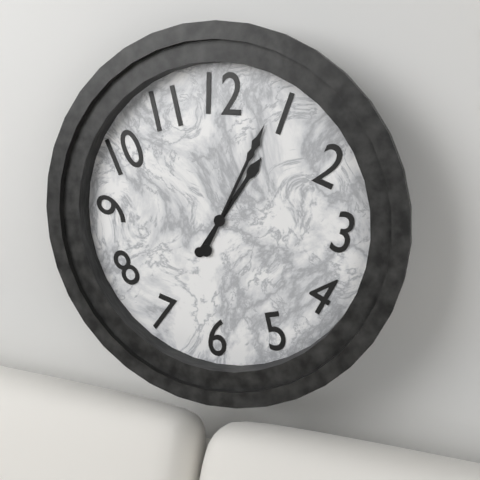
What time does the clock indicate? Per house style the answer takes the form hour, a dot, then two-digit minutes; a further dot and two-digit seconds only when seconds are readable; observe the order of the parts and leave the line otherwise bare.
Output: 1.04
